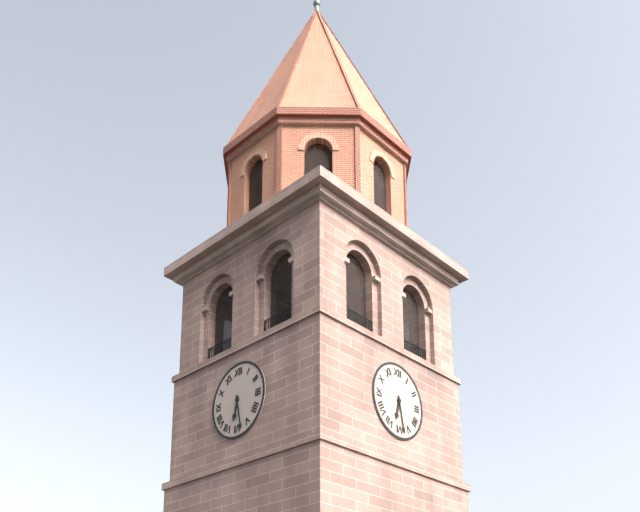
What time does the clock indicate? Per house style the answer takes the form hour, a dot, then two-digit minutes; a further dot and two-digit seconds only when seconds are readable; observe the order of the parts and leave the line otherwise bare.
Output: 6.28
